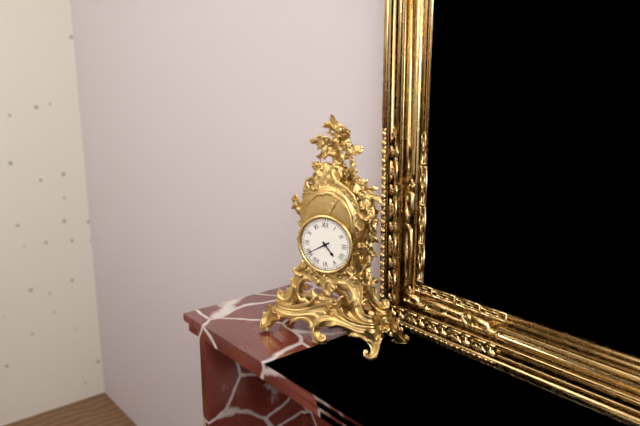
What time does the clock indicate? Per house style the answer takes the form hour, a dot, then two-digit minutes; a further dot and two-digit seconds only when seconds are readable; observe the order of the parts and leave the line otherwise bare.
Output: 4.40
